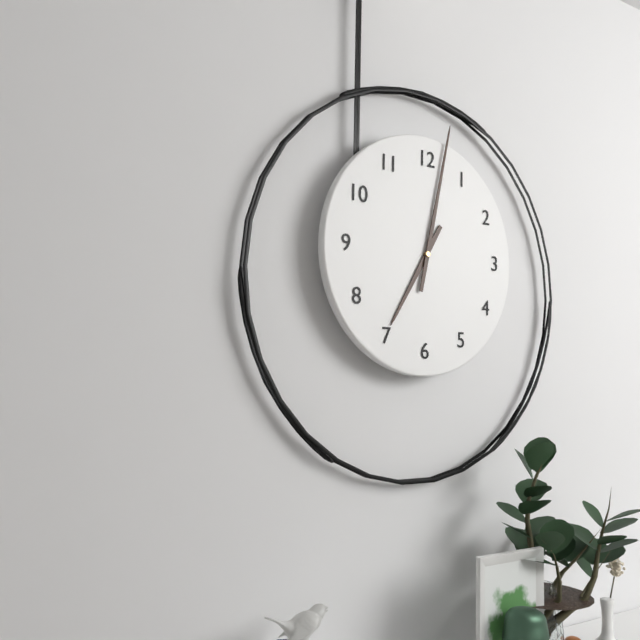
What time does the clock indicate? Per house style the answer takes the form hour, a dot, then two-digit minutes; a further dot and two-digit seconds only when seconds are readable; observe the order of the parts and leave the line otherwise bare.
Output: 7.02
